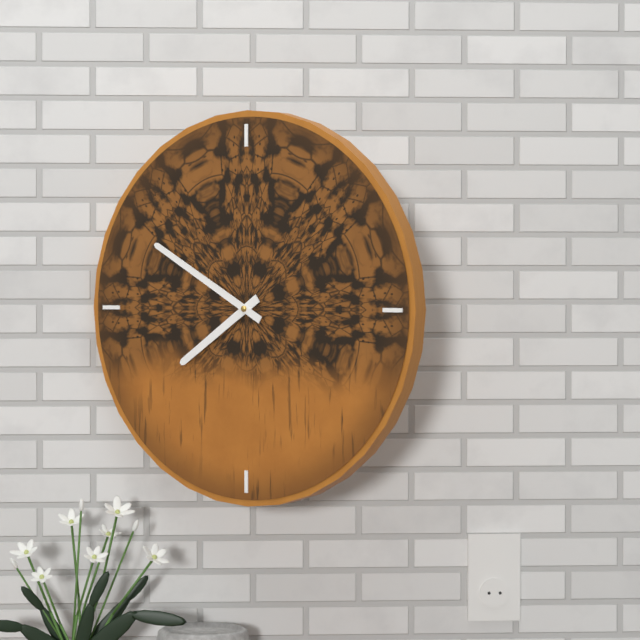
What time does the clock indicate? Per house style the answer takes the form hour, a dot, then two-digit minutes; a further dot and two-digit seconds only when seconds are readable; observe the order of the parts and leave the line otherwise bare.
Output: 7.50
